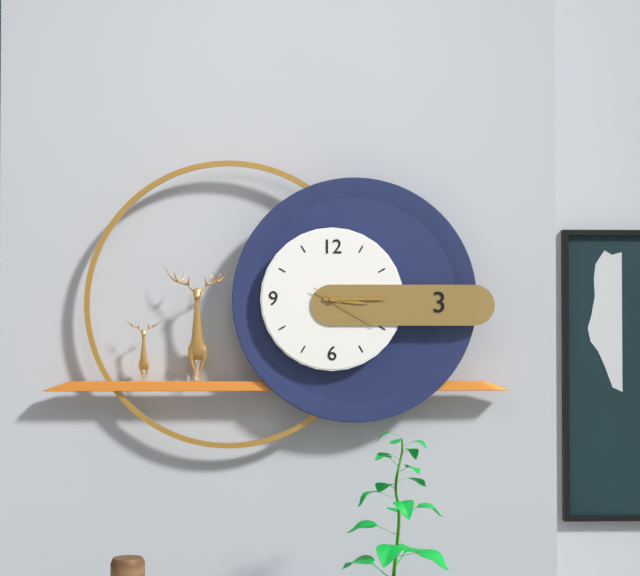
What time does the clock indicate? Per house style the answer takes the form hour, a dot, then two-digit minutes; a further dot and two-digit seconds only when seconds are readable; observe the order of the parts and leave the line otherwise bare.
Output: 3.15.20
